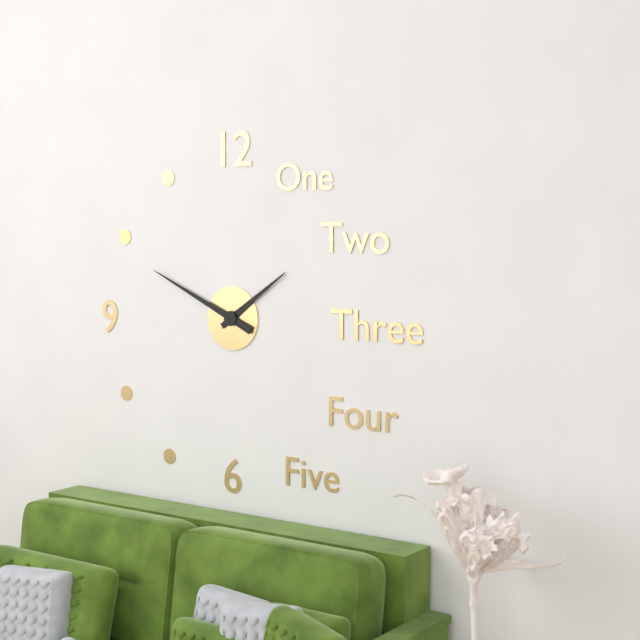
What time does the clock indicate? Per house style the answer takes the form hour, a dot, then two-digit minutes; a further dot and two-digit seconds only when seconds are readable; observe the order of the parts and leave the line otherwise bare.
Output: 1.49
